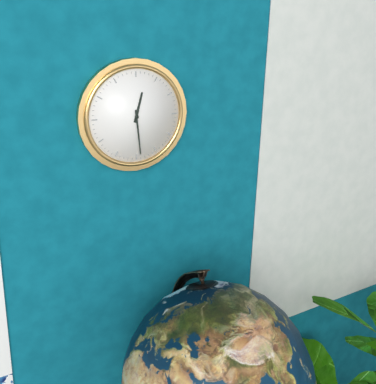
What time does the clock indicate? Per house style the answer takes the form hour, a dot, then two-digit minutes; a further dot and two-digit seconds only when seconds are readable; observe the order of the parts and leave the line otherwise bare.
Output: 12.29
